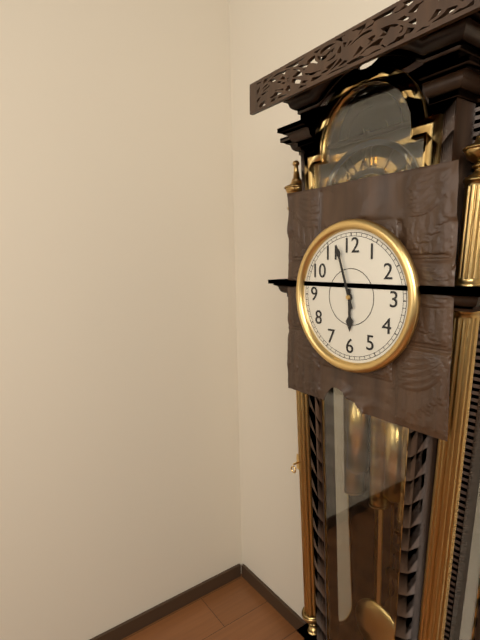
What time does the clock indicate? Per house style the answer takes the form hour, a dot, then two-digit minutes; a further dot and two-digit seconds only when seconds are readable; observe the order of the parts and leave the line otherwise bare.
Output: 5.57
